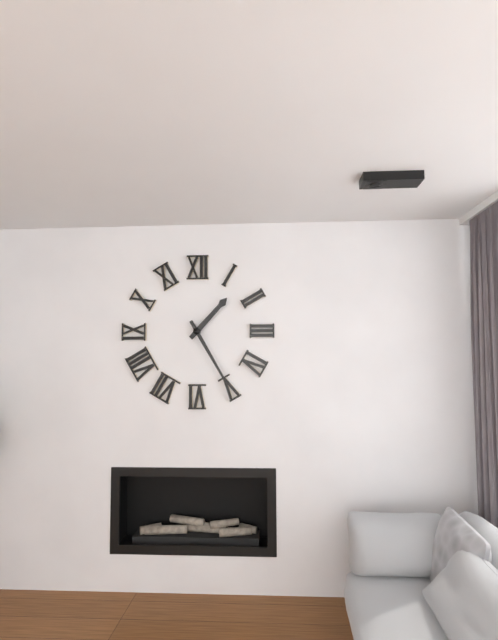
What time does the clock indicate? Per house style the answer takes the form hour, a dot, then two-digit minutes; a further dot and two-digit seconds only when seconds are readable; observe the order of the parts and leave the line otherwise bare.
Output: 1.25
